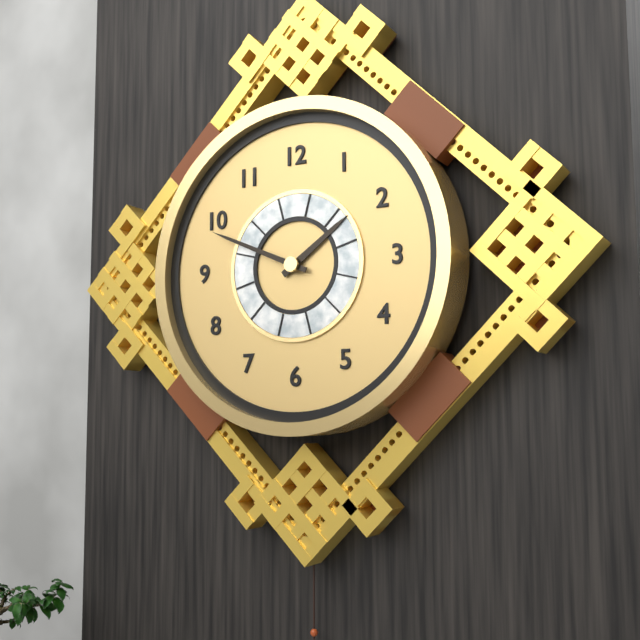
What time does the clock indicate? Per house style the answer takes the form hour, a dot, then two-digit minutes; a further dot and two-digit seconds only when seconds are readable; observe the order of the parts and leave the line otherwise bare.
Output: 1.49
